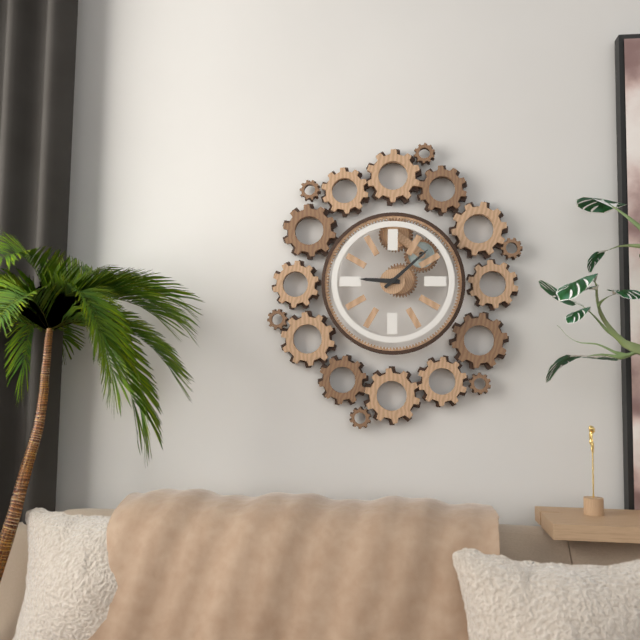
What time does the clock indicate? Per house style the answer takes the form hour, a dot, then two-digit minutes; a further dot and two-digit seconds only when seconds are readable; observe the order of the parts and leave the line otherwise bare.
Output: 9.08
